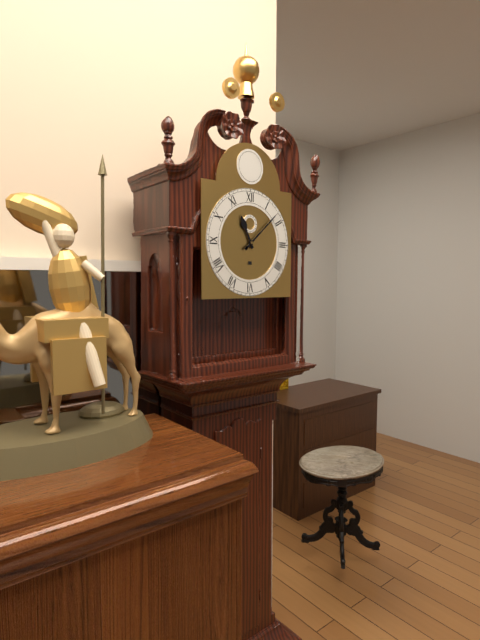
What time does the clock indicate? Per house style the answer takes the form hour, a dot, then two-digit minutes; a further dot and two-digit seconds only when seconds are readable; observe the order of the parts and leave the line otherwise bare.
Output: 11.08
